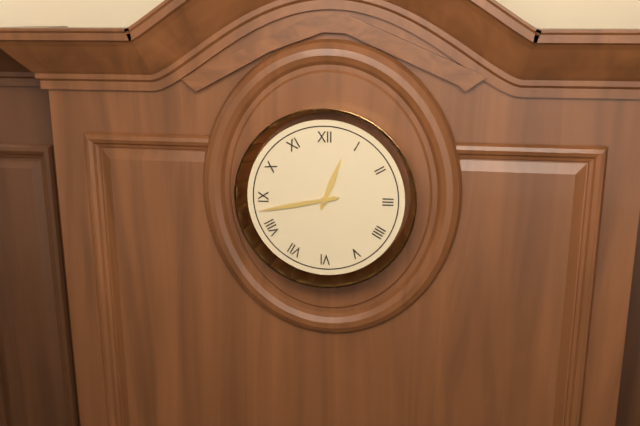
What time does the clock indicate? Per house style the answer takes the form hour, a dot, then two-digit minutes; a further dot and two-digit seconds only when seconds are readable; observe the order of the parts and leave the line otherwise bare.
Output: 12.43
